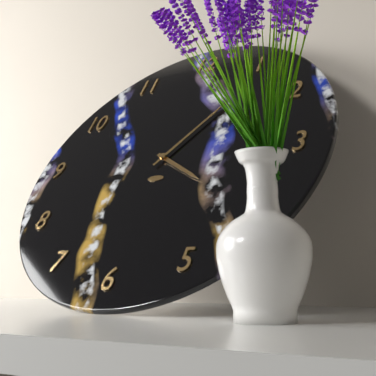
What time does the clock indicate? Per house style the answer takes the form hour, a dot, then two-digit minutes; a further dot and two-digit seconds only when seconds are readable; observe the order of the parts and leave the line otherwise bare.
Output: 4.06
